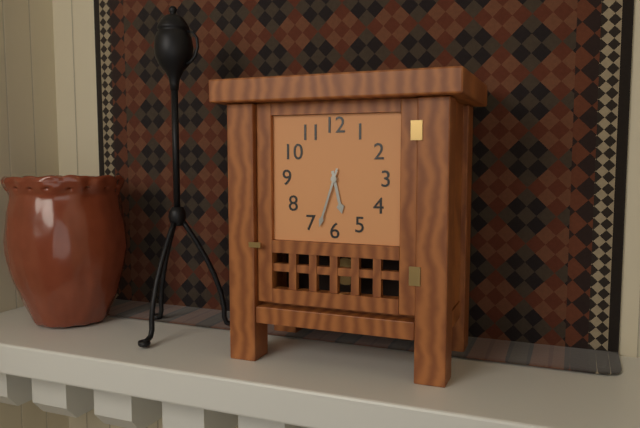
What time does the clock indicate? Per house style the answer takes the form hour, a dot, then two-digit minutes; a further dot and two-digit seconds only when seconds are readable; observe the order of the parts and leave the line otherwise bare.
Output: 5.33
